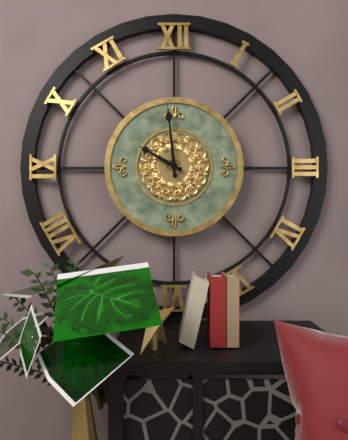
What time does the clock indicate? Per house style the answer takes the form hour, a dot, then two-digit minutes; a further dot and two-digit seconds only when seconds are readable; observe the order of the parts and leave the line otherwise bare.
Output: 9.59
